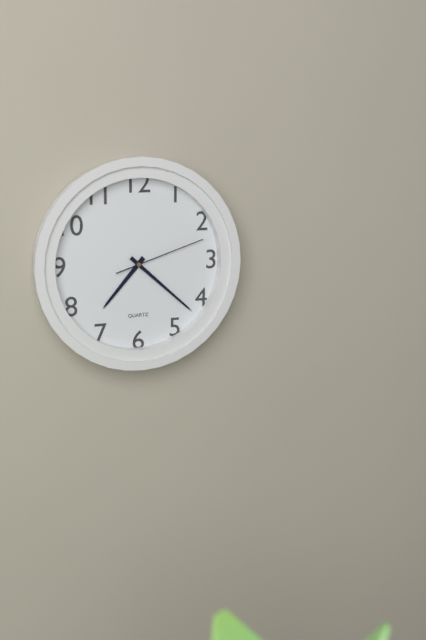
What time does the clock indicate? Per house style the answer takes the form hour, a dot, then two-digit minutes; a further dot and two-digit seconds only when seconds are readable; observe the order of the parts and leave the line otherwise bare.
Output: 7.22.12
